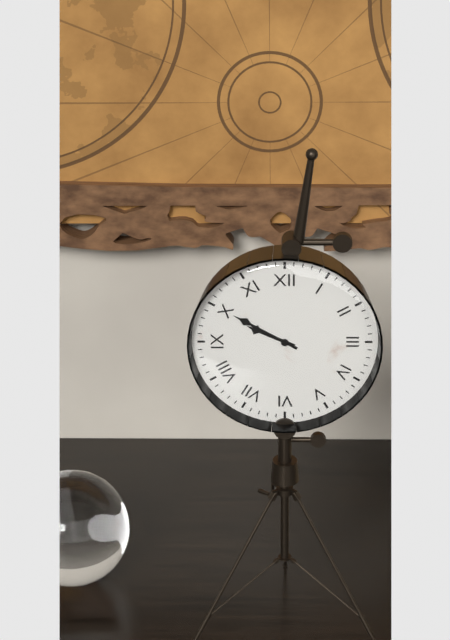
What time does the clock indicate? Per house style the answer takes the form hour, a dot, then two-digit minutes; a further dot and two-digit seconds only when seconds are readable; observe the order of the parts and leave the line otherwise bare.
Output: 9.50
